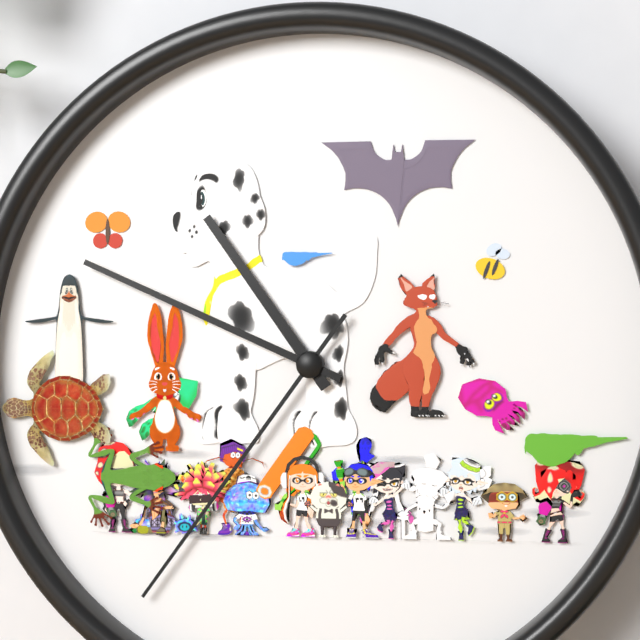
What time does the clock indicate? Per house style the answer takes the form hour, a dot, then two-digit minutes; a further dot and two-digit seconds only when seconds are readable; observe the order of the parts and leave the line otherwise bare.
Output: 10.49.36
